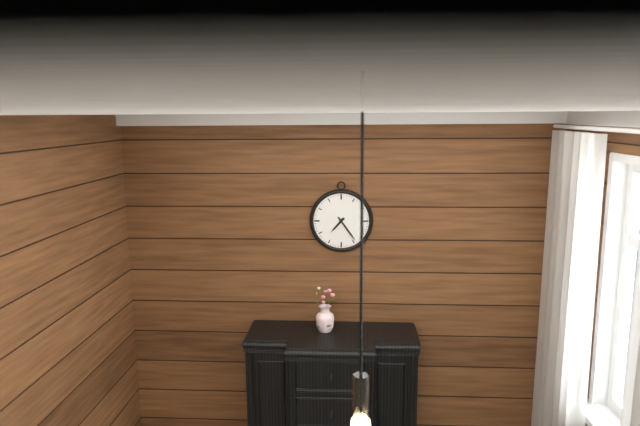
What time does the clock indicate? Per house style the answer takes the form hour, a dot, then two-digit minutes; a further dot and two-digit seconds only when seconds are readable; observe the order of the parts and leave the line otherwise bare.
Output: 7.24
